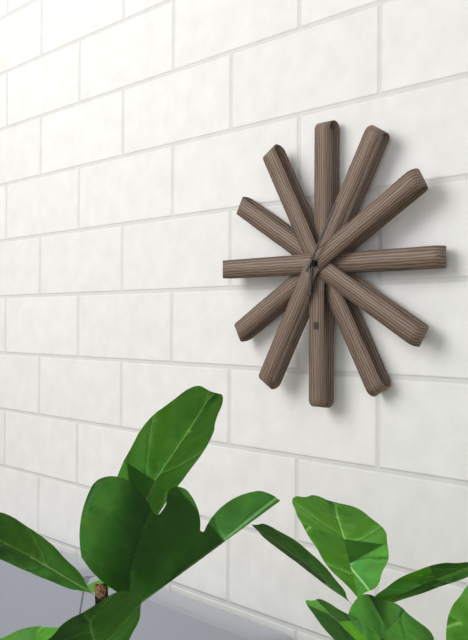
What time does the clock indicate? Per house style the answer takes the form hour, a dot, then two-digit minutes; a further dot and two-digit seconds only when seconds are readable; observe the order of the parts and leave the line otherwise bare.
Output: 6.05
